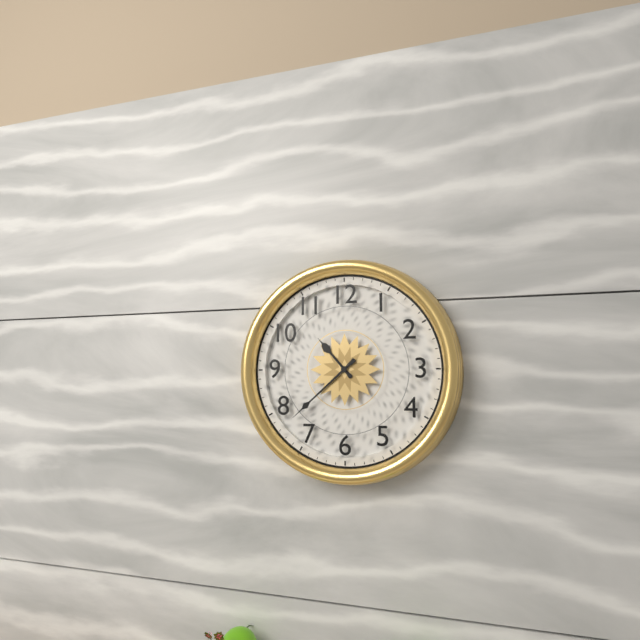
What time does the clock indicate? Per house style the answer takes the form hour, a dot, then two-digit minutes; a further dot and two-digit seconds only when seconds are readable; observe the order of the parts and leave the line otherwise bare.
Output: 10.38
